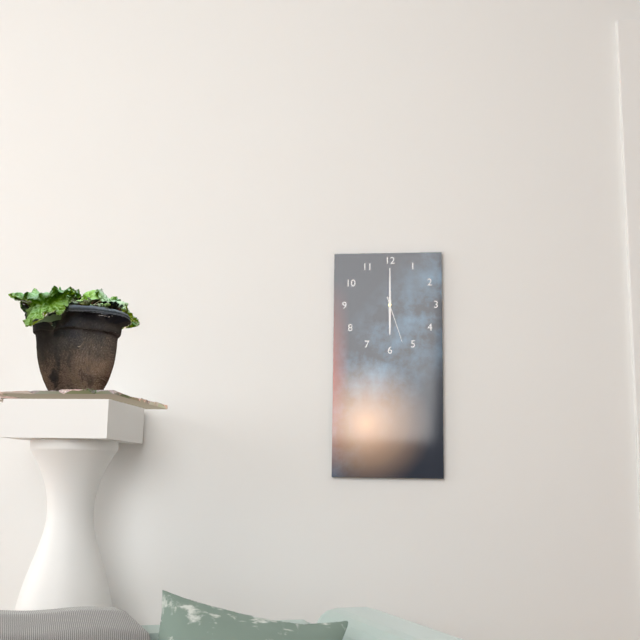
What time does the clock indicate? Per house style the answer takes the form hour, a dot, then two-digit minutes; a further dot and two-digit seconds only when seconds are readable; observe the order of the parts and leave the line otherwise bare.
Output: 6.00
